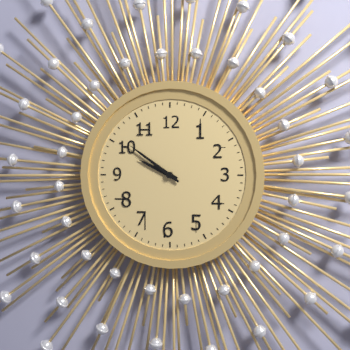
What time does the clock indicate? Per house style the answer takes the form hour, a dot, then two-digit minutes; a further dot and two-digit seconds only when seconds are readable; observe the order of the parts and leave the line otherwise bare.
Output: 9.51
